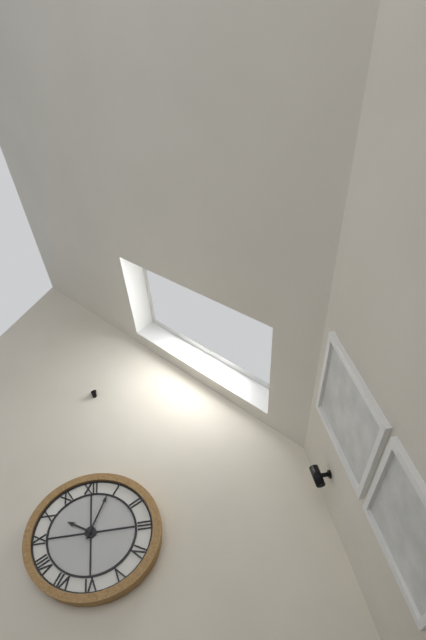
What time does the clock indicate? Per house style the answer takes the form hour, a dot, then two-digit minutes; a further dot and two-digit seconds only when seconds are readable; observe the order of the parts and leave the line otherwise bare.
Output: 10.04
